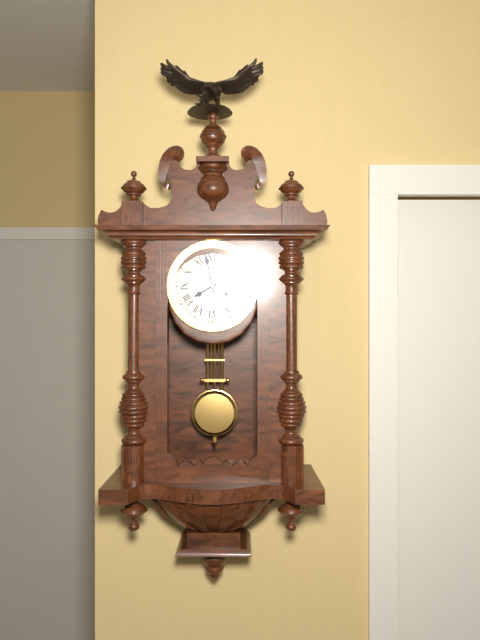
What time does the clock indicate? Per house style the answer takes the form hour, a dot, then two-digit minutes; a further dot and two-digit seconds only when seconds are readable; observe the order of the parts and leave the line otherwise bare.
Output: 7.58
